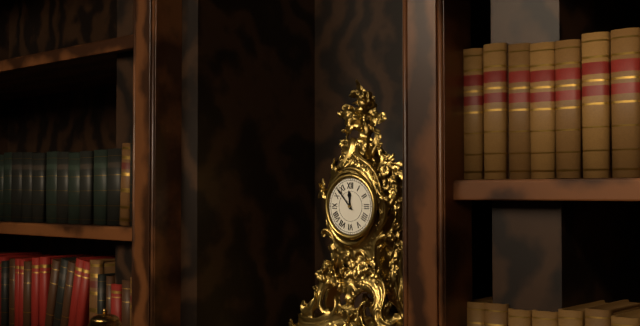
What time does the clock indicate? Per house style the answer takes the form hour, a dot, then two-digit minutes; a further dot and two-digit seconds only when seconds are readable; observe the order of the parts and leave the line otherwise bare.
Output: 11.53
